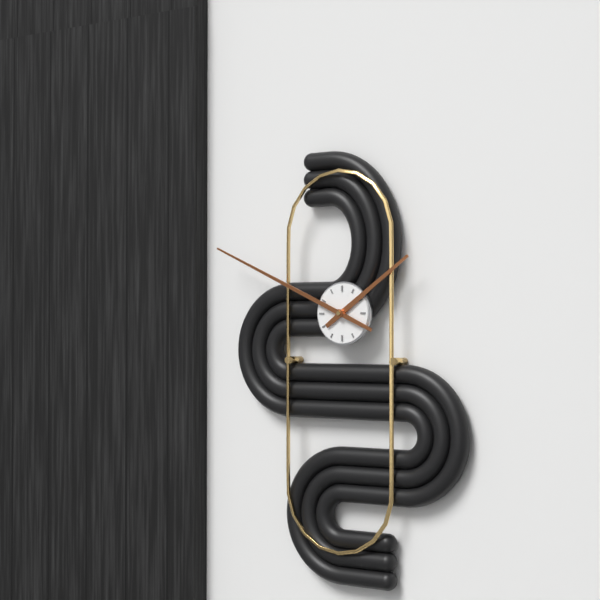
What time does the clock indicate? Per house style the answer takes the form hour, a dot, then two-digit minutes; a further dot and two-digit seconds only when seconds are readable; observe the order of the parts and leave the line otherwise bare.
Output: 1.49
